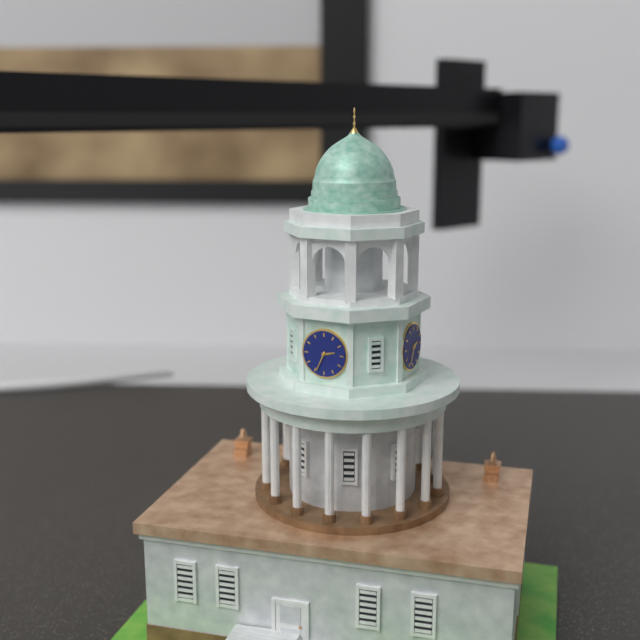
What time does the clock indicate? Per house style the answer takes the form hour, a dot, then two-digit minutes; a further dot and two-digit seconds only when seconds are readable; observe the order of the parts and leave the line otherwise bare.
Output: 2.34
